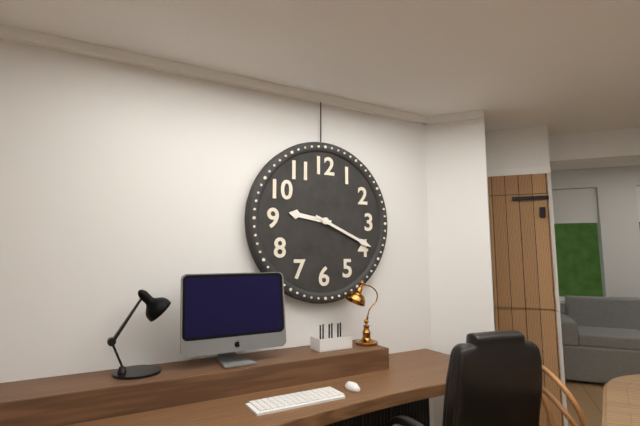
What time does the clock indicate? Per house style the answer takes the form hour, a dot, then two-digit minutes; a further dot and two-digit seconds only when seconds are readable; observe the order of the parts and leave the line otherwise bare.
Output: 9.19
